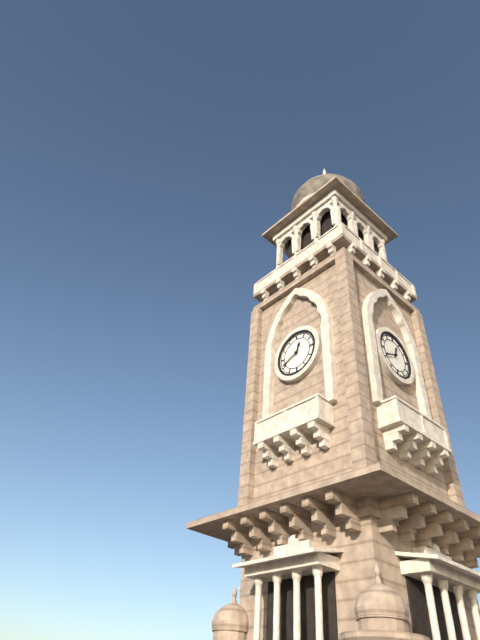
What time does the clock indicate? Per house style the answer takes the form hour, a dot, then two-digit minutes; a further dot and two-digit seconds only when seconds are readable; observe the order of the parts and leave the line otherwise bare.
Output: 12.41
